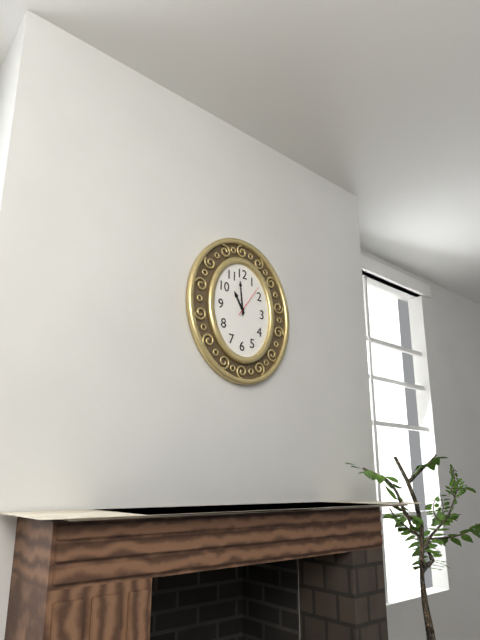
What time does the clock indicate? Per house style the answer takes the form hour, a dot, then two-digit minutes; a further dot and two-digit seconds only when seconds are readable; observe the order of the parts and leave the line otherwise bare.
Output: 10.59
